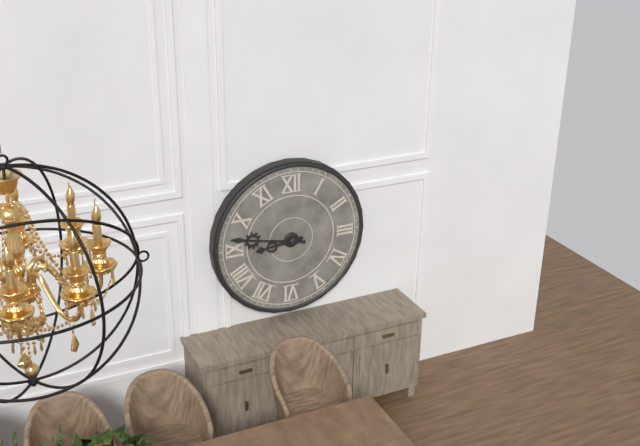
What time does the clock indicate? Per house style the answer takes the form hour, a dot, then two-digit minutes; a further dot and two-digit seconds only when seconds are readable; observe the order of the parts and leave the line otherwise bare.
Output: 8.47
